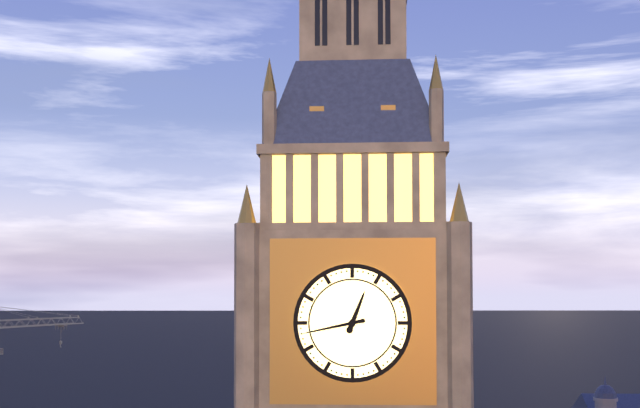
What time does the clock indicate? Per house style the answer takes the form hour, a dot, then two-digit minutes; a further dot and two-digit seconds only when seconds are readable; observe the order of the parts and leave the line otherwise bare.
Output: 12.43
